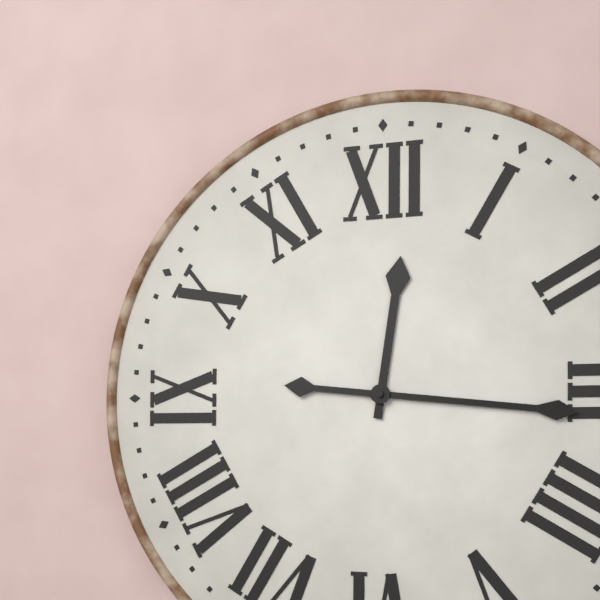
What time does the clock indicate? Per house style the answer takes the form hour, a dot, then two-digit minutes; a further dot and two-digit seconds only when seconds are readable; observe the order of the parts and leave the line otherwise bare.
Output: 12.16
